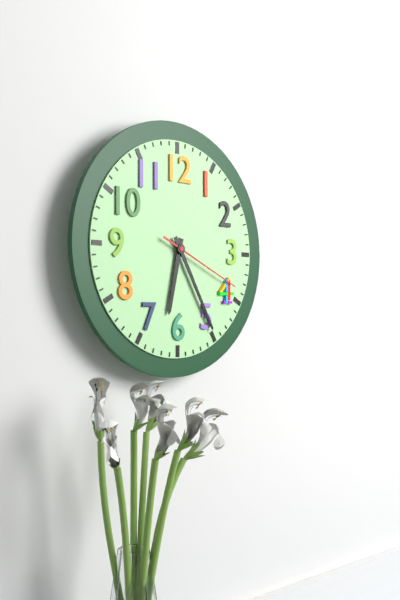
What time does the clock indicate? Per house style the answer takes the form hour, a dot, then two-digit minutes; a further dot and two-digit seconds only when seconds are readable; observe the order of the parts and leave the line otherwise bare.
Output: 6.25.19
